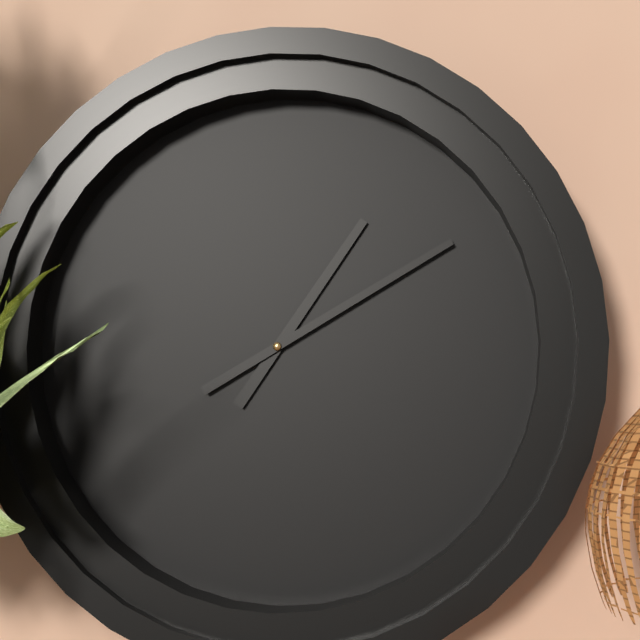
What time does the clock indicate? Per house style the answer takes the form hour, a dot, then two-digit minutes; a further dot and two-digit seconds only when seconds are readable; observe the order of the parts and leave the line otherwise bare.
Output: 1.10
